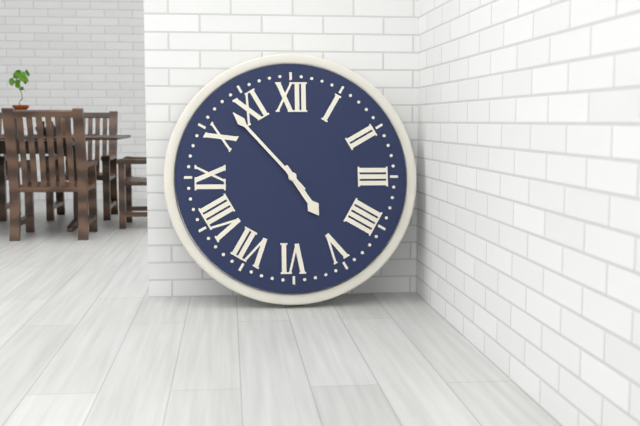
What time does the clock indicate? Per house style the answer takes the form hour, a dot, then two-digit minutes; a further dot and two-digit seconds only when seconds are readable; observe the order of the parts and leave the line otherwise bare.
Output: 4.53
